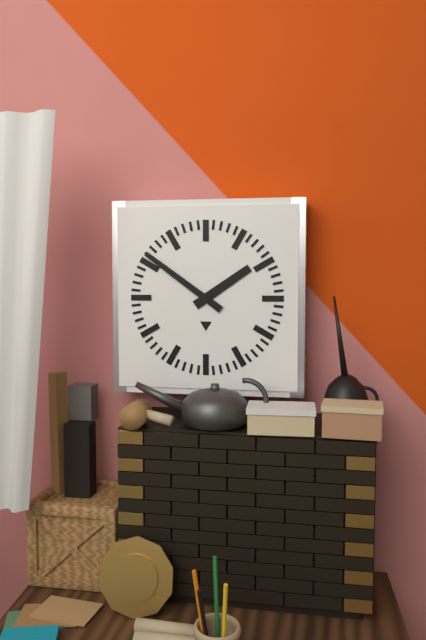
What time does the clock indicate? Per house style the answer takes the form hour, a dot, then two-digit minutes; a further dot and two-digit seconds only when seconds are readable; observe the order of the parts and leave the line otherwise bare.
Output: 1.51
